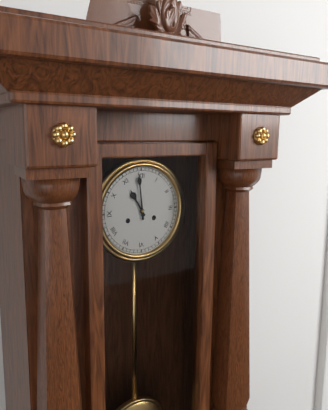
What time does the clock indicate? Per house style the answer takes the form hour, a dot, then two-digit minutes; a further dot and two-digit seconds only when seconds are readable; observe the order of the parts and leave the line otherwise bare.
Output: 10.59
